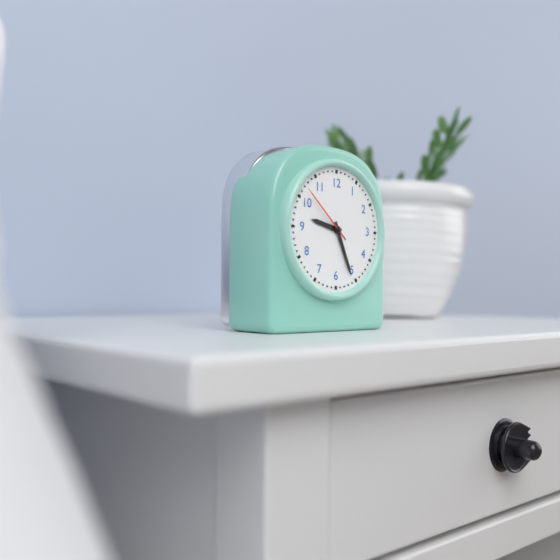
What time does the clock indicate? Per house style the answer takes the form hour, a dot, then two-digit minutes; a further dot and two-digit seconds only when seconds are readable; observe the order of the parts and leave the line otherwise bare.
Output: 9.26.52
